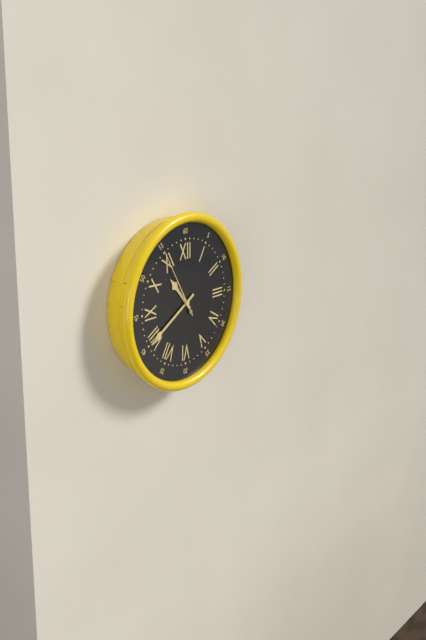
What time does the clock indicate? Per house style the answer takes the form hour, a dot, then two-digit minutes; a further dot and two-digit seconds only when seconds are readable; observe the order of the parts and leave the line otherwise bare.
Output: 10.40.55
